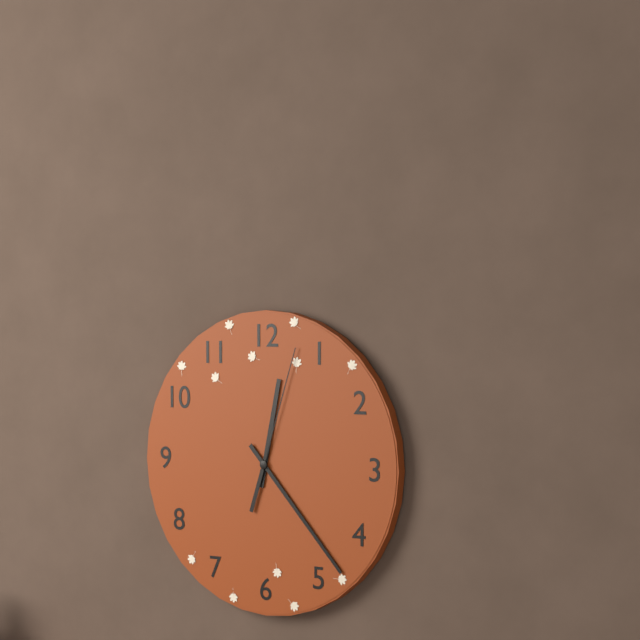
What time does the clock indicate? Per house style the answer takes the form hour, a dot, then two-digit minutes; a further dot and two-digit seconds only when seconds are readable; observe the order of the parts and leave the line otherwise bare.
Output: 12.23.03
